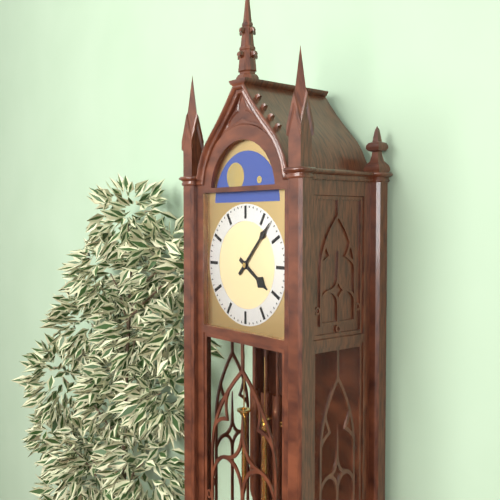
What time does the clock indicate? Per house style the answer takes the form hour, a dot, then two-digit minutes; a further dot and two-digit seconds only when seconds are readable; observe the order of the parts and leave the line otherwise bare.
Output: 4.07
